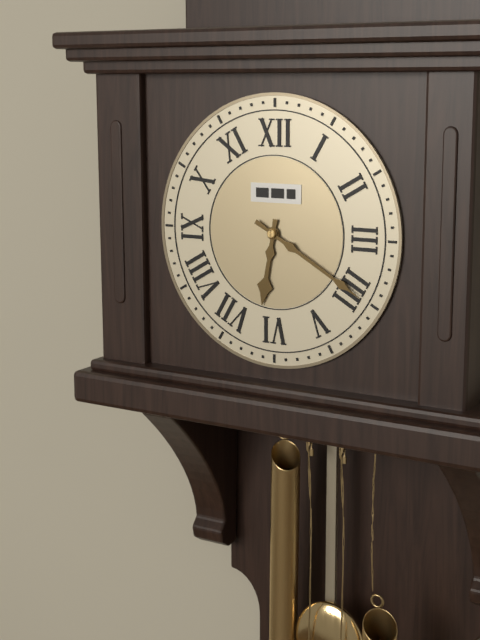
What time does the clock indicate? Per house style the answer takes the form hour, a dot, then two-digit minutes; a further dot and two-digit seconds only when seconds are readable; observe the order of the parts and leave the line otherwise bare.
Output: 6.20
